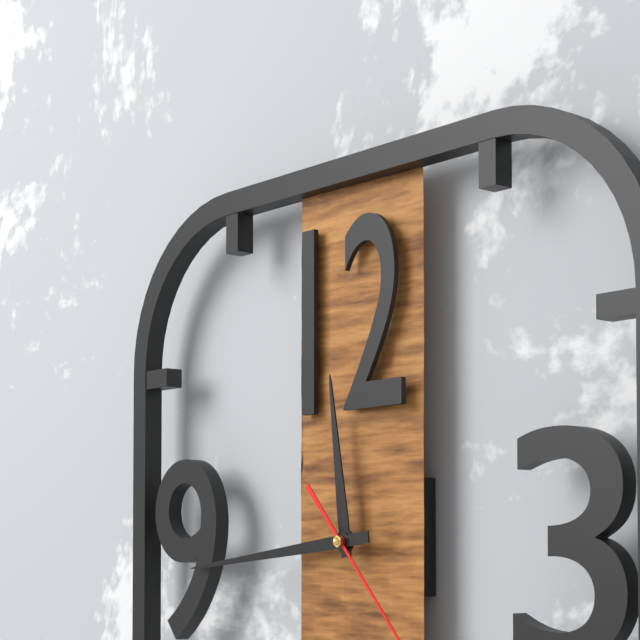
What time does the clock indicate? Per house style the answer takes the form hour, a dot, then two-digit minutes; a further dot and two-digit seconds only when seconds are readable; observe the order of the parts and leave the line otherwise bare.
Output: 11.44
